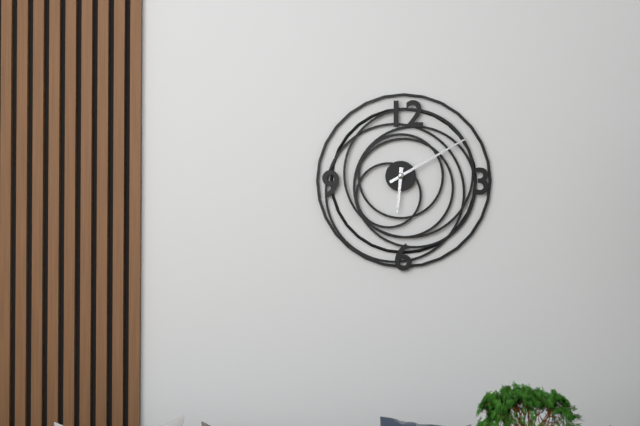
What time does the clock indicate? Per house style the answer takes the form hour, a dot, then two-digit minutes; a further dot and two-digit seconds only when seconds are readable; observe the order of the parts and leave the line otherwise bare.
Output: 6.10
